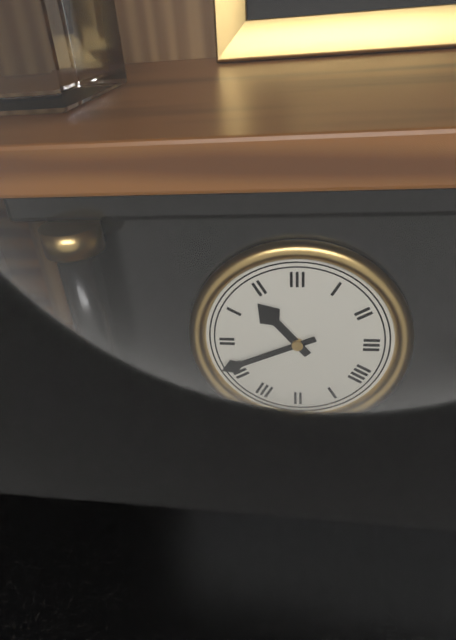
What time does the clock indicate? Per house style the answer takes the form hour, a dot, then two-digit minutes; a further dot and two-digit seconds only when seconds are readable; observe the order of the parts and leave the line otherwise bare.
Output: 10.41
